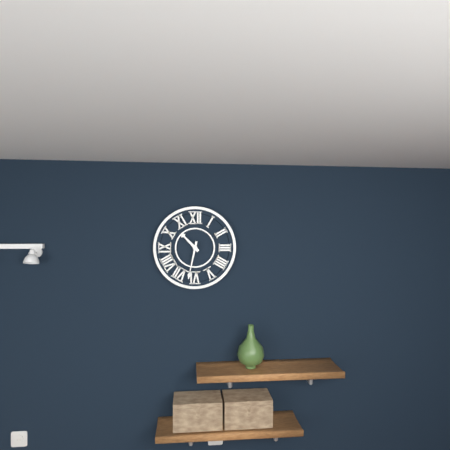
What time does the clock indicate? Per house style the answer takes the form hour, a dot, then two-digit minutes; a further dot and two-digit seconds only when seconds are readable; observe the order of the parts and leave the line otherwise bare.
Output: 10.32
